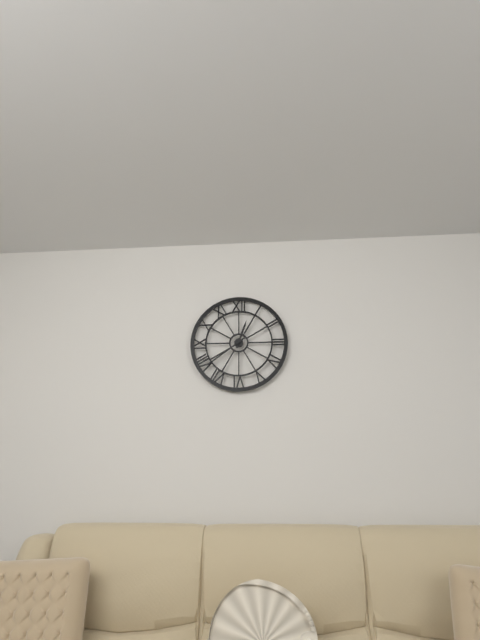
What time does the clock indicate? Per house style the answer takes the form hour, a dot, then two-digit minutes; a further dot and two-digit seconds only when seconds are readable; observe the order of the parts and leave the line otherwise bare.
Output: 12.39
